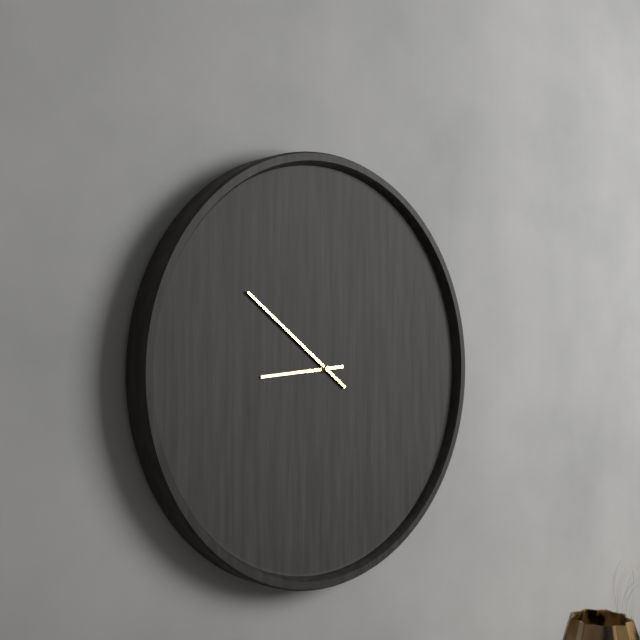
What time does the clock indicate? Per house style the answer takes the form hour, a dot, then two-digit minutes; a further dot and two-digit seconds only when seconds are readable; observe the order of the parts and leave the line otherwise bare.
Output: 8.51
